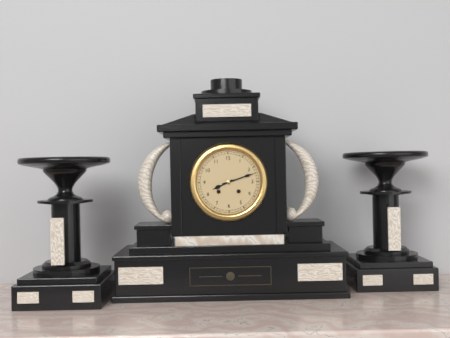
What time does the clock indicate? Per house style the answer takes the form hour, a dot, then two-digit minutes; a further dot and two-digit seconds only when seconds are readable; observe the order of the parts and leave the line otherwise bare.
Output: 8.12
